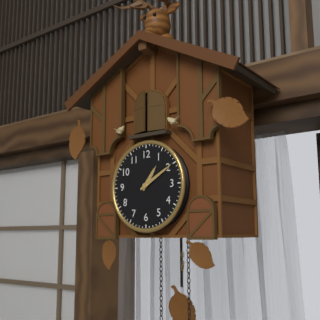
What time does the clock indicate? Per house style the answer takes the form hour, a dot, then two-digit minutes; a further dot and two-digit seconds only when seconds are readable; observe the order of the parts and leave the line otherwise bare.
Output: 1.10
